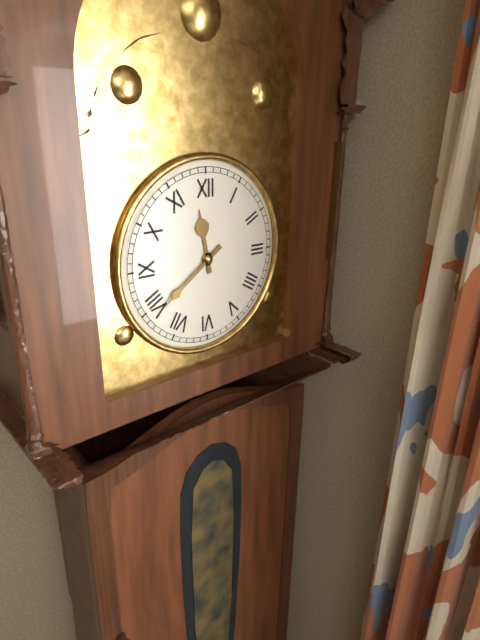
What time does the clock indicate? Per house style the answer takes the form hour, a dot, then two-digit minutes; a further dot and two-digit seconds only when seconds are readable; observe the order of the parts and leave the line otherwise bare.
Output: 11.39
